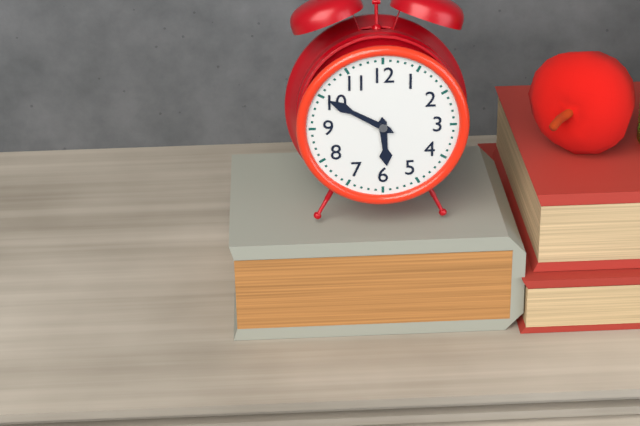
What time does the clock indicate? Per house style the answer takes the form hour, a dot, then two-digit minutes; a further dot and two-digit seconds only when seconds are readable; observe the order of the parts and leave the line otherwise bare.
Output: 5.50
